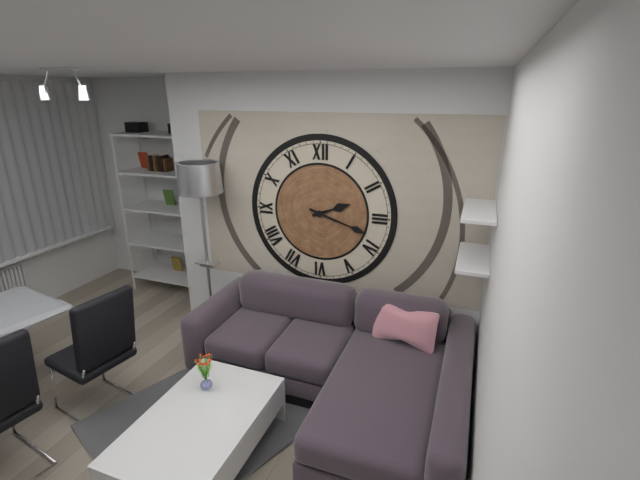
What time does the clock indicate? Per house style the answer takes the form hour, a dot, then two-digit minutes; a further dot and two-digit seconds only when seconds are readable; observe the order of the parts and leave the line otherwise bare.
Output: 2.18
